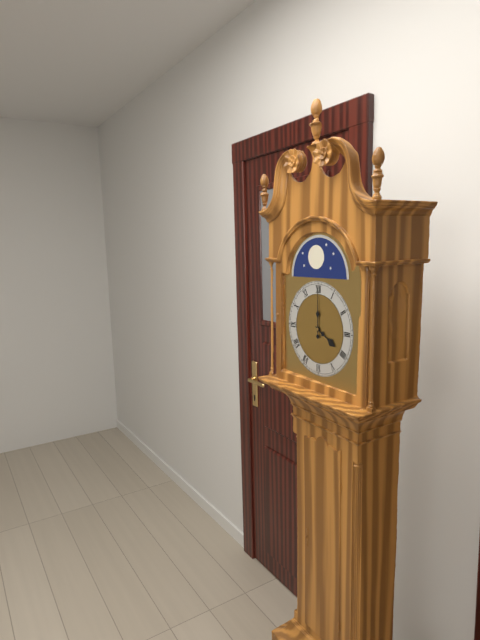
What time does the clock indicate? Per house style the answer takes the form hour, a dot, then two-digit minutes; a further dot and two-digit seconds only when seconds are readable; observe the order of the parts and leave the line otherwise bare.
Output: 4.00
